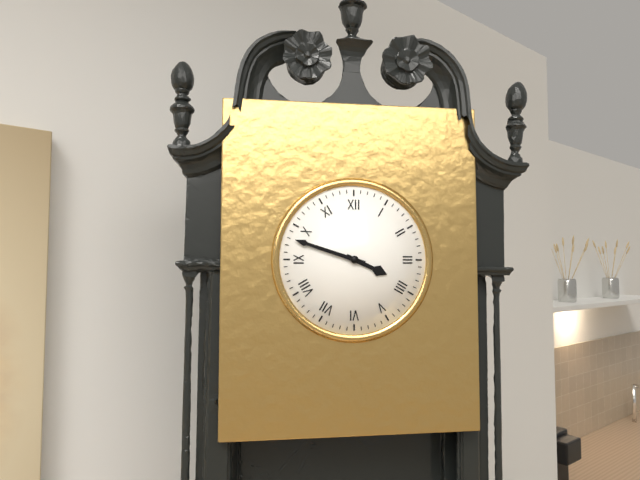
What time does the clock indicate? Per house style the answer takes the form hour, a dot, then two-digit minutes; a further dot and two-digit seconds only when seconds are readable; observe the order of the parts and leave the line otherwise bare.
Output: 3.48
